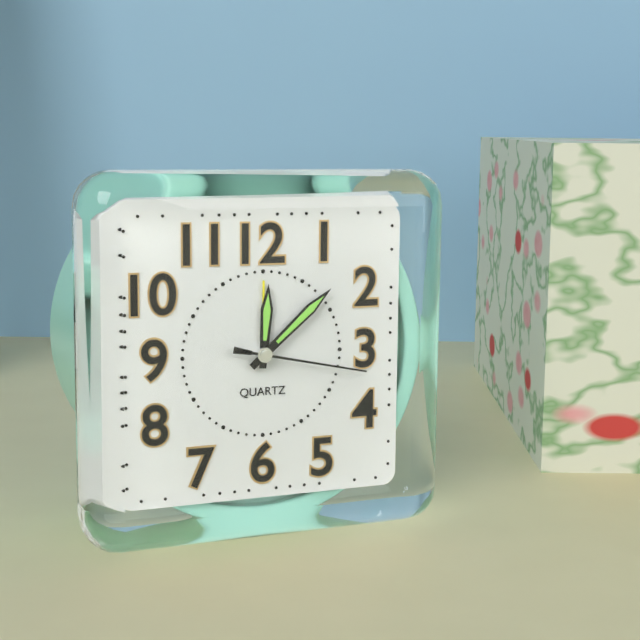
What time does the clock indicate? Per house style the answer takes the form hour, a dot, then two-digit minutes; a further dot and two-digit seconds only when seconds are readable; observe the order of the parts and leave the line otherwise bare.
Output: 12.08.17
